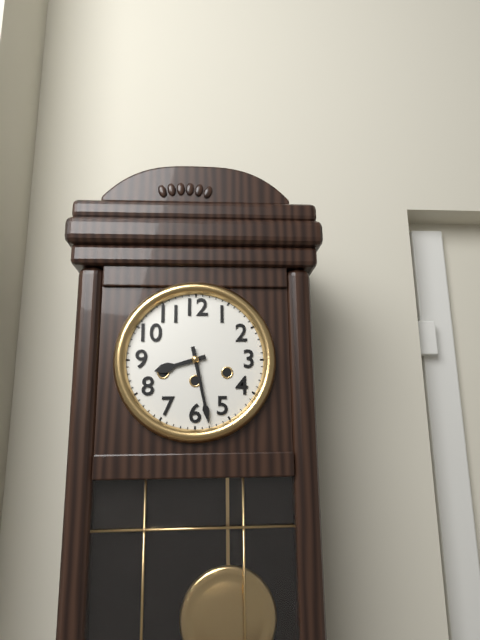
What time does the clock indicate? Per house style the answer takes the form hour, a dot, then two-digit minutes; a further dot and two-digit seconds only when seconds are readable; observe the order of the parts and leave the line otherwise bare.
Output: 8.28
